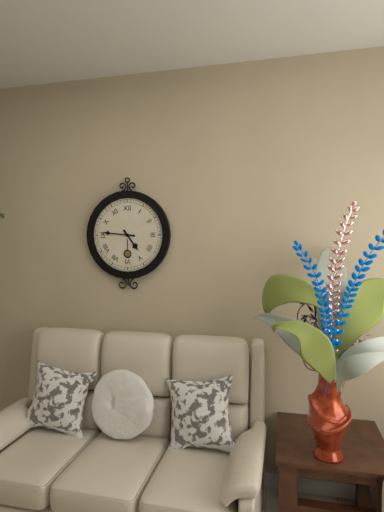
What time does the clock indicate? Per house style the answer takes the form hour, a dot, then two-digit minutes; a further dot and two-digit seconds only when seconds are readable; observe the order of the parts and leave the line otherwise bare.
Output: 4.46
